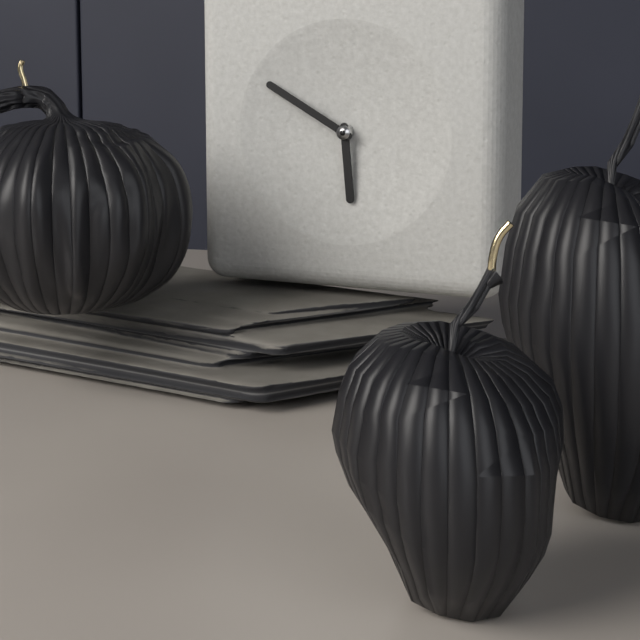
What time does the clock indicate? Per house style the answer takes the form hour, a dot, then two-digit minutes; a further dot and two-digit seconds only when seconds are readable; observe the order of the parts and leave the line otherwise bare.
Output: 5.50
